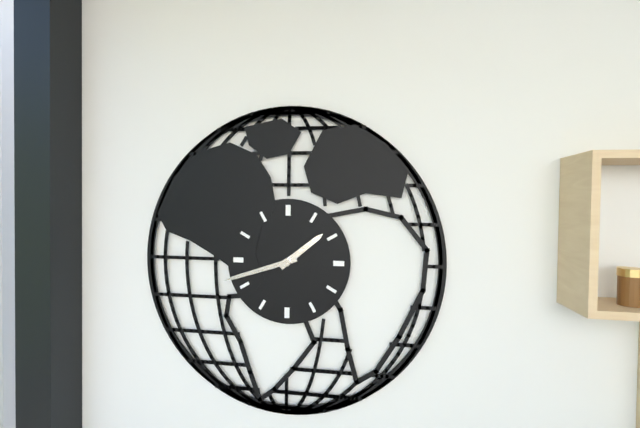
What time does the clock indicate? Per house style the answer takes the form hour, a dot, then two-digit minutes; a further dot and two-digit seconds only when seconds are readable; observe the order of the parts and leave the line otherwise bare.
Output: 1.42
